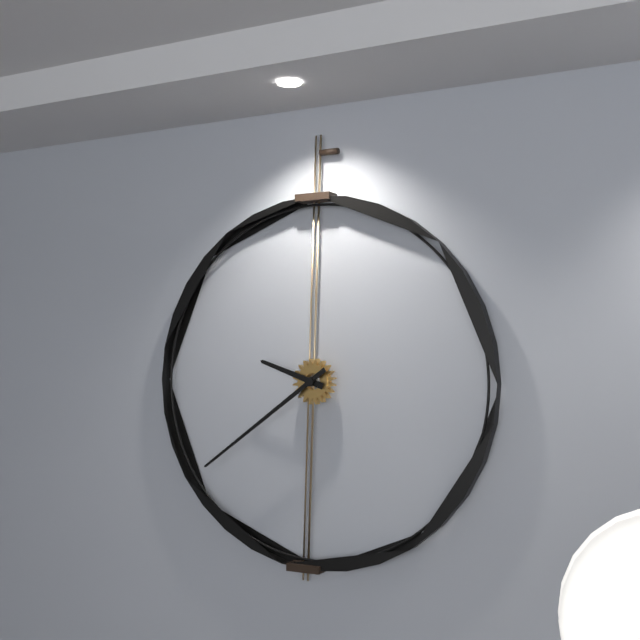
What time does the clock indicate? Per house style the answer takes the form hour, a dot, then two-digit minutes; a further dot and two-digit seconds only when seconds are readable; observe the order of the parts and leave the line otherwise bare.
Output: 9.39
